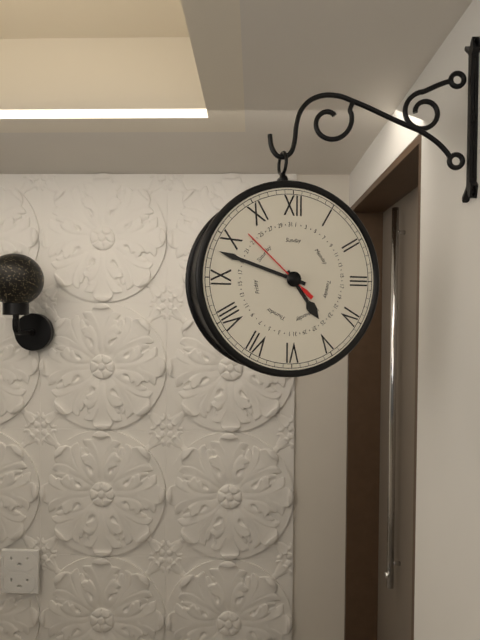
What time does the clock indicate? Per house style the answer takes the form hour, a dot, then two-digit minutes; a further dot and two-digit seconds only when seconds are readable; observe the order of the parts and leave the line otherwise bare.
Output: 4.48.52
